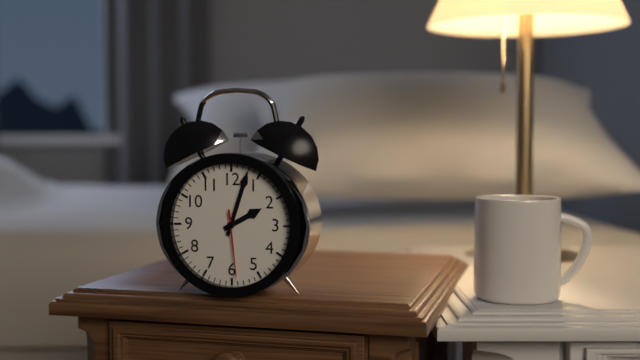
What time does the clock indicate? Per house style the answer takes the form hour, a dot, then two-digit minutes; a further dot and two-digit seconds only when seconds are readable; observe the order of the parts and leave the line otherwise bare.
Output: 2.03.29
